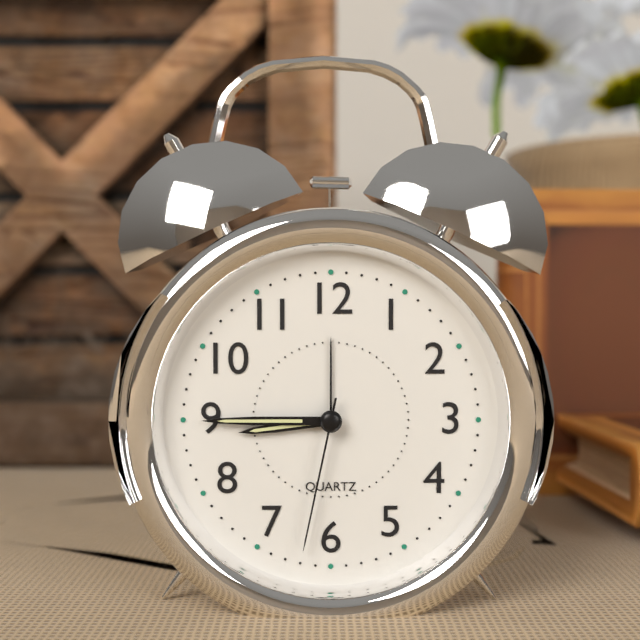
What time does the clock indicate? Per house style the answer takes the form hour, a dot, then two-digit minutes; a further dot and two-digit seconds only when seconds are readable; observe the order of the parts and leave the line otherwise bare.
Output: 8.45.32
